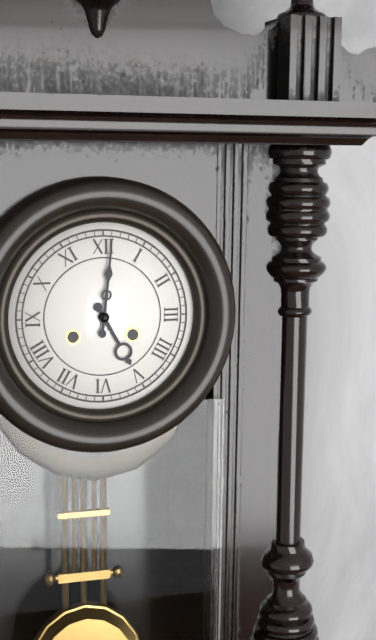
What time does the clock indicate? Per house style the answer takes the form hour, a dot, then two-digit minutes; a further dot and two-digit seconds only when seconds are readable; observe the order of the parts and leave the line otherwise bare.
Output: 5.01
